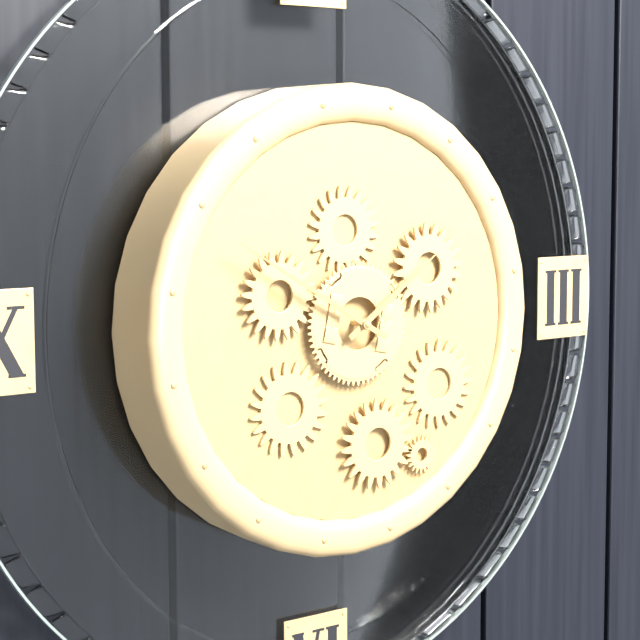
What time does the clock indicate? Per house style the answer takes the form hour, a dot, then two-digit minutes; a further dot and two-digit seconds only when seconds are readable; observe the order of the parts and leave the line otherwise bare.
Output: 1.50
